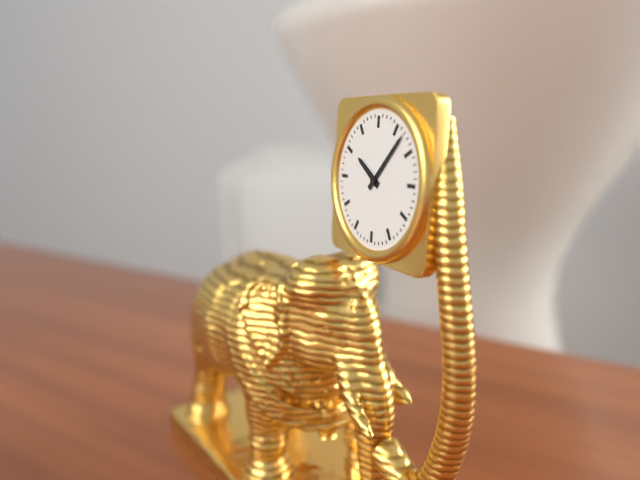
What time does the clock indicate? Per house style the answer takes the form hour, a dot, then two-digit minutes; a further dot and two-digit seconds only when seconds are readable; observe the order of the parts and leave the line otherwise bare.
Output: 10.07
